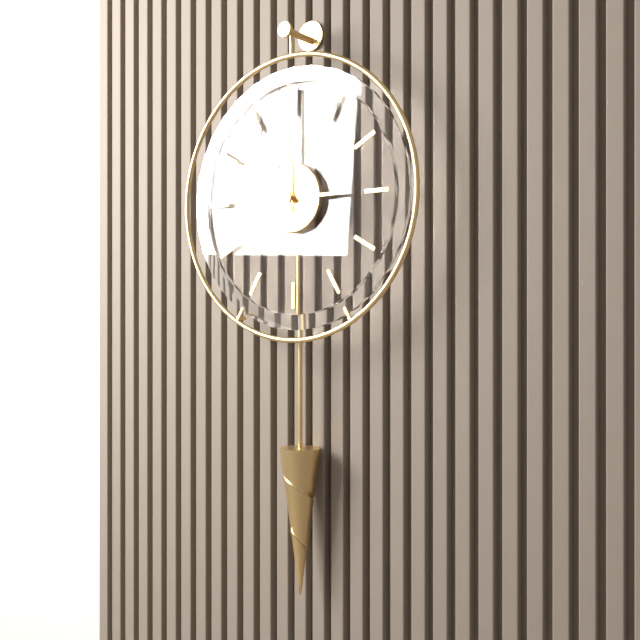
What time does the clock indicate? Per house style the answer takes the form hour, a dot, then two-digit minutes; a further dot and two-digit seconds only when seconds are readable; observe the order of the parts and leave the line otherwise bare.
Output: 3.00.53
